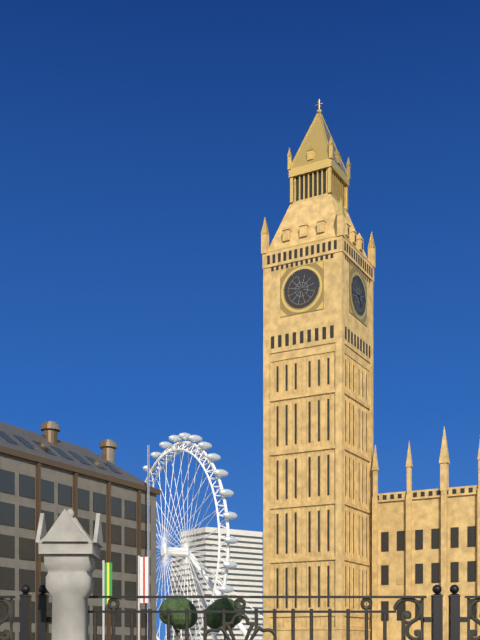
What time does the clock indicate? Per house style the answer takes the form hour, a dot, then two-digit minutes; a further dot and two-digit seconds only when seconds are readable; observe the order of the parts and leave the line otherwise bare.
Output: 4.44
